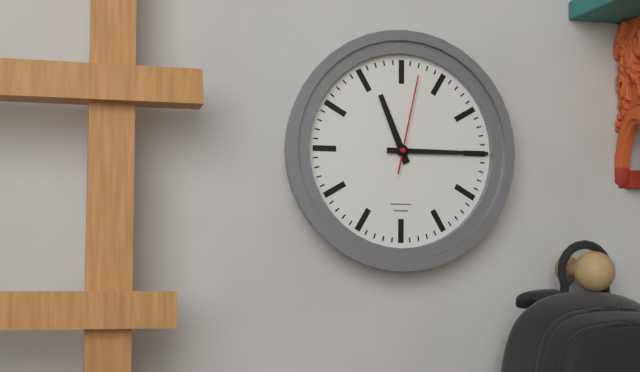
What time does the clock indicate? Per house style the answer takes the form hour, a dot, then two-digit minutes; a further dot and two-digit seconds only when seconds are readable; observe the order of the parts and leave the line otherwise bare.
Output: 11.15.02
